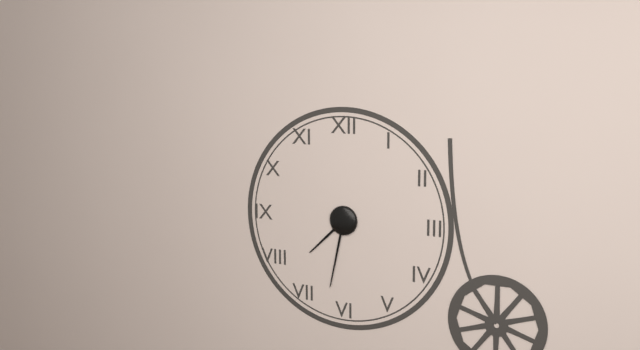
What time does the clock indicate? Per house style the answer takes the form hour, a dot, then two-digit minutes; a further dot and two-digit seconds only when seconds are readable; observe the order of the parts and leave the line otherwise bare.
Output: 7.32
